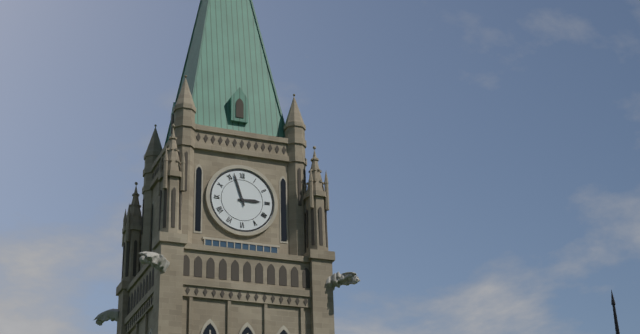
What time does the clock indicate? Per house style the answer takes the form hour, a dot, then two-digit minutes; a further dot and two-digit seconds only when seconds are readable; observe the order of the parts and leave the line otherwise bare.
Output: 2.57
